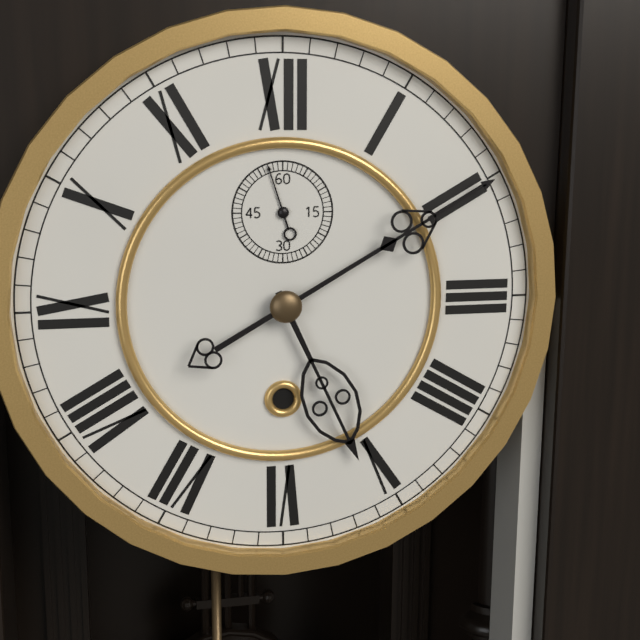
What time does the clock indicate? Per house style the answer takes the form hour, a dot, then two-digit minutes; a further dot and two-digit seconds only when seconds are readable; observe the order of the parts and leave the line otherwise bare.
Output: 5.10.57
